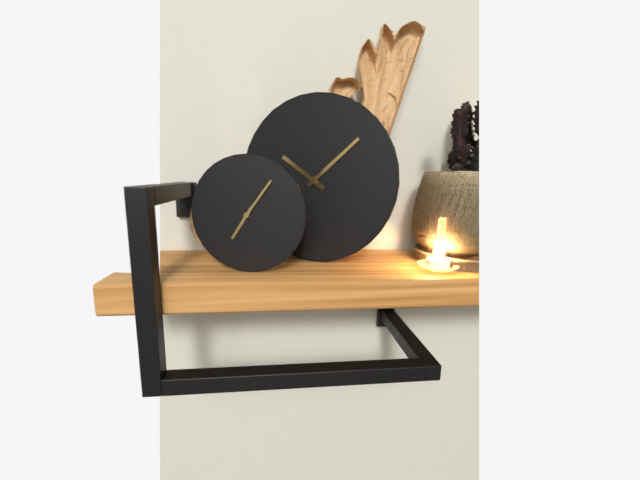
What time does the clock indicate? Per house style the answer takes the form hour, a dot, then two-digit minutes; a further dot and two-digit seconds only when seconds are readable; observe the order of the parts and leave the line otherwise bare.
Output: 7.06
